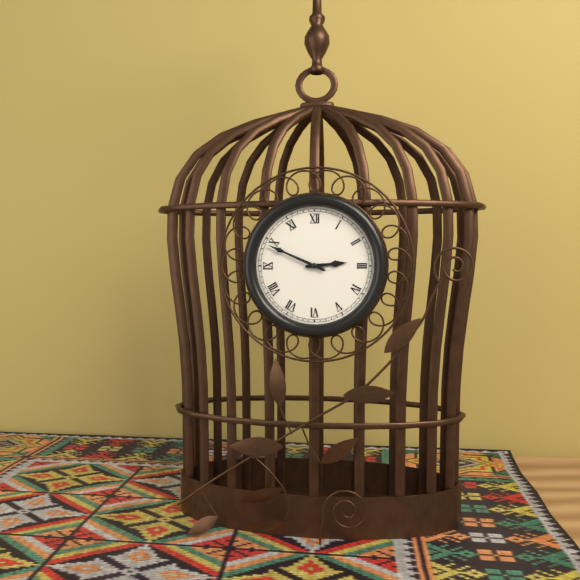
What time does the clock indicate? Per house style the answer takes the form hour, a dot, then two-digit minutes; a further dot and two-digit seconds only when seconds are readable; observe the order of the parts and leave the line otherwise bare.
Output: 2.49
